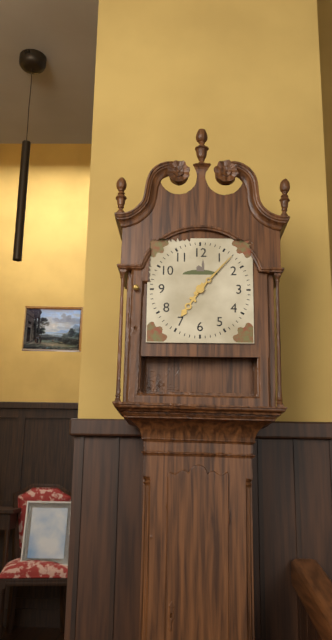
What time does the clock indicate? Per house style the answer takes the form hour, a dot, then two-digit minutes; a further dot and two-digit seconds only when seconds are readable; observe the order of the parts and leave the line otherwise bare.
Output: 7.07
